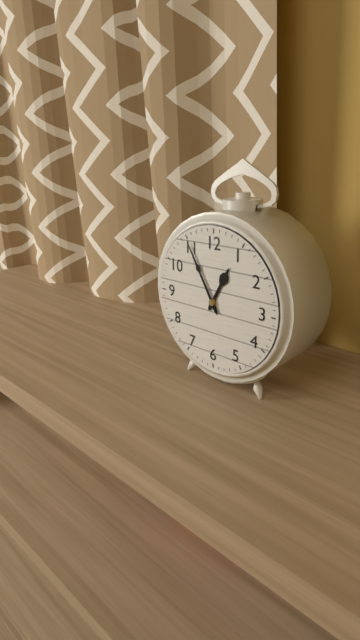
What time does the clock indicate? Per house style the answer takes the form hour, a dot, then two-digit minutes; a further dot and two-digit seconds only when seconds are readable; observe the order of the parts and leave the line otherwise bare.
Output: 12.55
